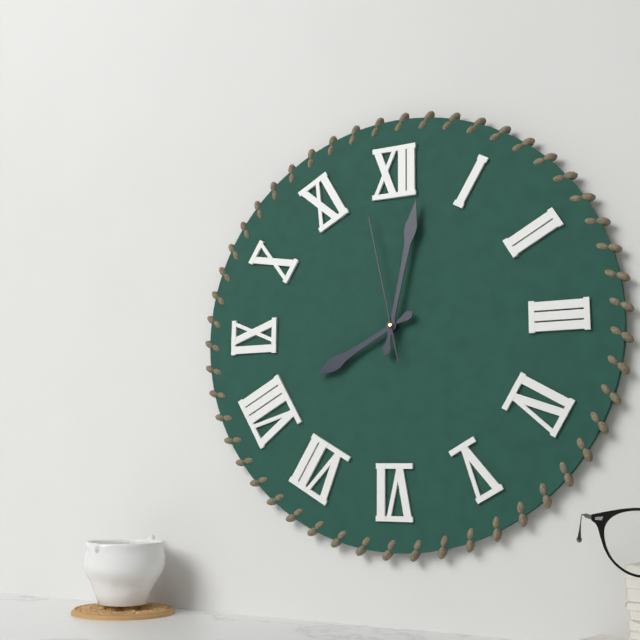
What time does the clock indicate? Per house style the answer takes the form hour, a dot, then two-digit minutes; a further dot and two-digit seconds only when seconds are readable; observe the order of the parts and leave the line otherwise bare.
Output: 8.02.58
